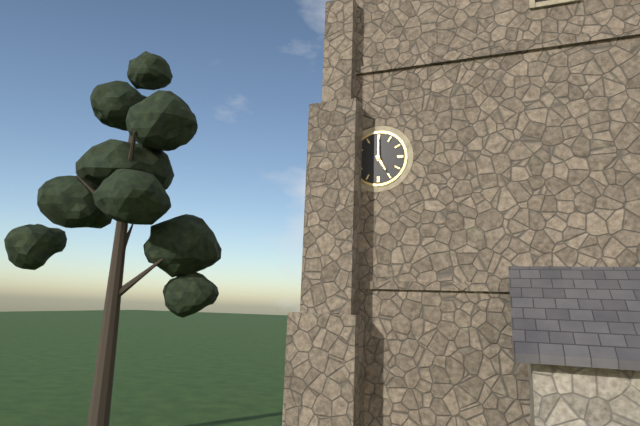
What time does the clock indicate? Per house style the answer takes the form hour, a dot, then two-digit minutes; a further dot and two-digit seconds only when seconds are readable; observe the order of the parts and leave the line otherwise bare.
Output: 5.00
